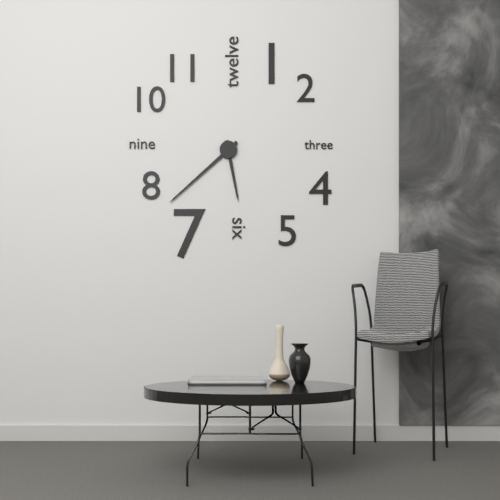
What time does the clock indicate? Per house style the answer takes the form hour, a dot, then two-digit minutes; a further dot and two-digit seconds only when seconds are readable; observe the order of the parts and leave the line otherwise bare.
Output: 5.38
